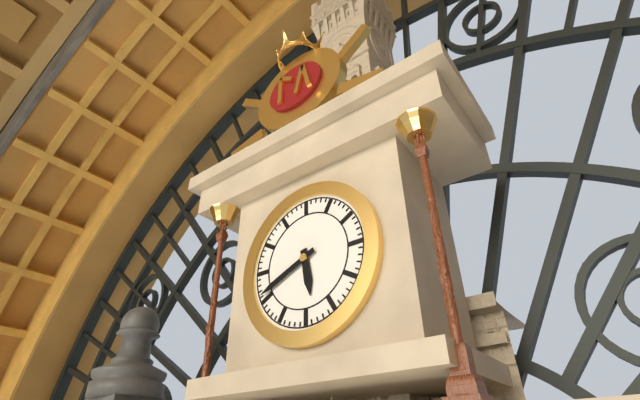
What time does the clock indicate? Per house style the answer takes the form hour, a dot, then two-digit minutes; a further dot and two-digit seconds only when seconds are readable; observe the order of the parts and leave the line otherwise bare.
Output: 5.41
